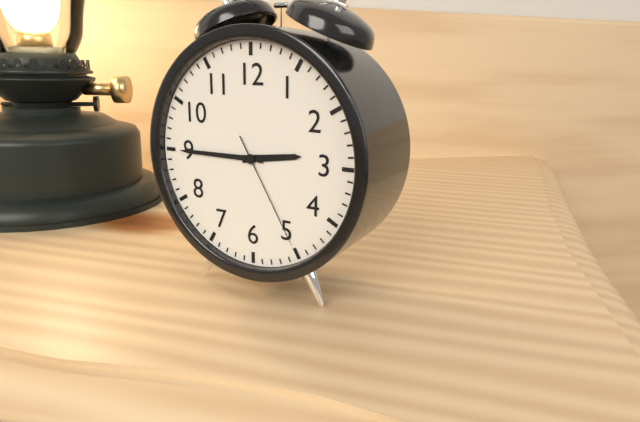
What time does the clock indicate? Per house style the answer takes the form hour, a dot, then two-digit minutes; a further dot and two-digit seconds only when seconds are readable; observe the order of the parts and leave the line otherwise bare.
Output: 2.45.25
